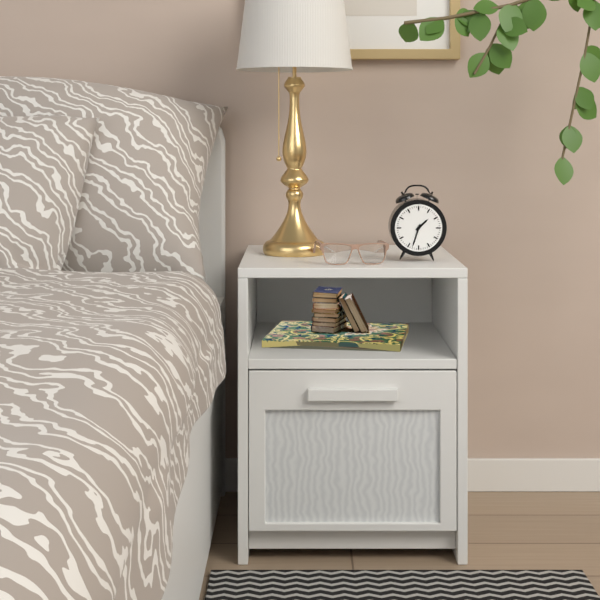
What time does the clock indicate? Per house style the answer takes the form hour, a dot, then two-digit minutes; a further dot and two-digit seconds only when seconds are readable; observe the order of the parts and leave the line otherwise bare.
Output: 1.33
